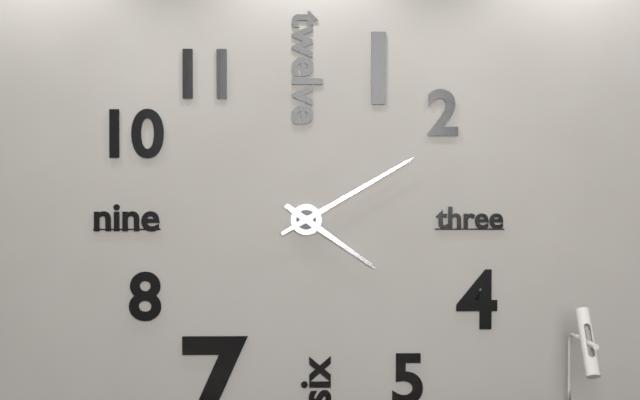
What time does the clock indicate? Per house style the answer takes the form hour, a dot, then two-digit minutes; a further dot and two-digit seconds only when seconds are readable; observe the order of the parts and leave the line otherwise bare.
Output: 4.10
